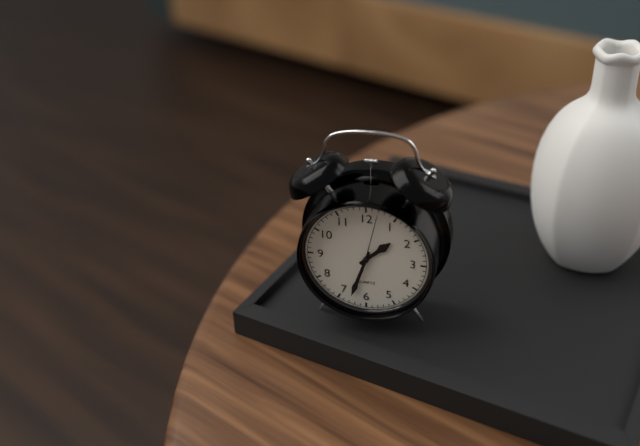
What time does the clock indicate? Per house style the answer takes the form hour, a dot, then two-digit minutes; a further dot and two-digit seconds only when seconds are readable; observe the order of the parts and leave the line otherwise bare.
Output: 1.33.02
